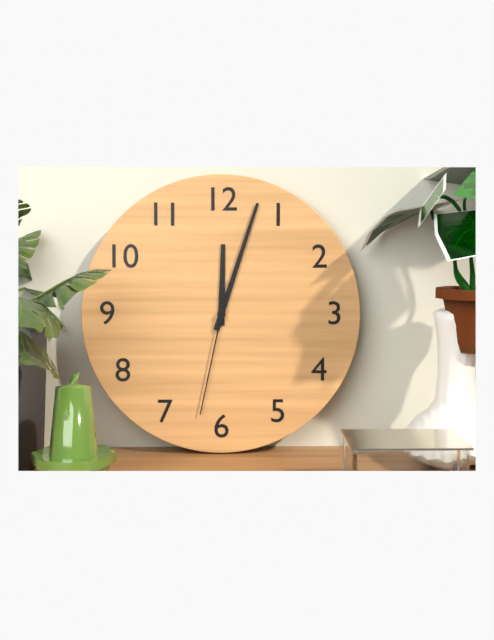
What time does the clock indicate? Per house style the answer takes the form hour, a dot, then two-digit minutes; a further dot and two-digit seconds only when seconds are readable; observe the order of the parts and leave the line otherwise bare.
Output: 12.03.32
